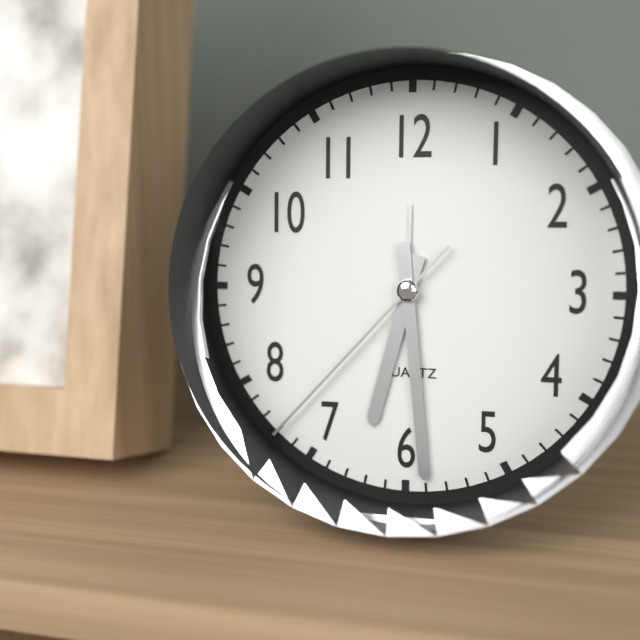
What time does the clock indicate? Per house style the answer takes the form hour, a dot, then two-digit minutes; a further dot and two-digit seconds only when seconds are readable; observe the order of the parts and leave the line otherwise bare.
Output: 6.29.37
